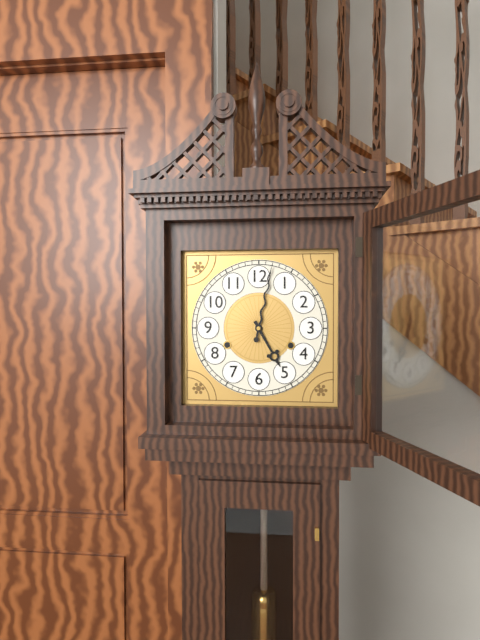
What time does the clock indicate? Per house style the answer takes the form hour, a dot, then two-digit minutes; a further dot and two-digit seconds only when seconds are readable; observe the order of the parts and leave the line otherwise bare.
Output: 5.02
